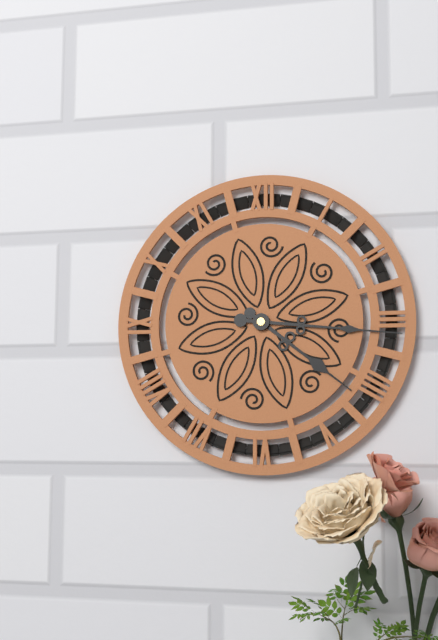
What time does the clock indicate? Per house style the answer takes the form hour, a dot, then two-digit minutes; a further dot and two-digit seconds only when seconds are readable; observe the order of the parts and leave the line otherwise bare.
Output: 4.16
